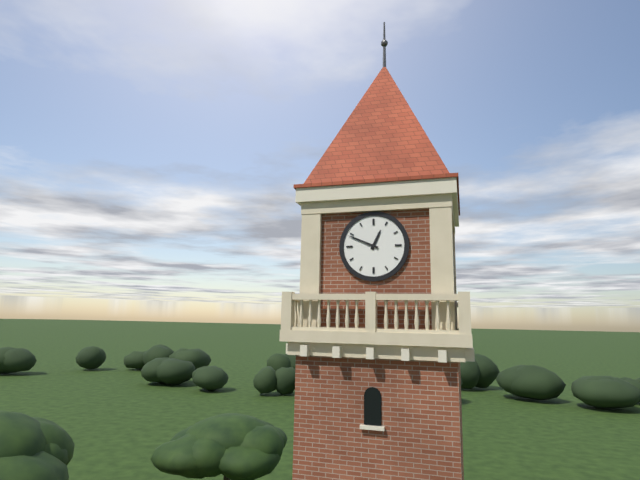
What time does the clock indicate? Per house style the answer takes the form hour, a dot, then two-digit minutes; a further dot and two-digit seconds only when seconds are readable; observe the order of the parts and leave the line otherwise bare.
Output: 12.49
